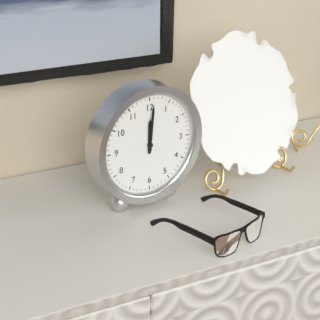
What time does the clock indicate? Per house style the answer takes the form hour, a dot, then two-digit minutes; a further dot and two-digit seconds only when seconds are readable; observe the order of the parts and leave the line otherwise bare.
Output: 12.01
